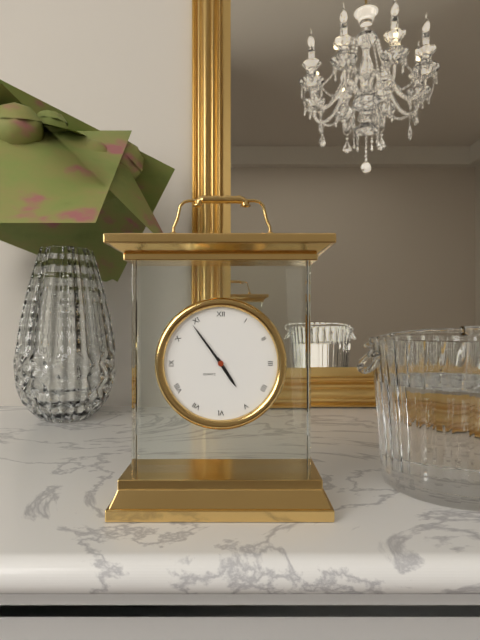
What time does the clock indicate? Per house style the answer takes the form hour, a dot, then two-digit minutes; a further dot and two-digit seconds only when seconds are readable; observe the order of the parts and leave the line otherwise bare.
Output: 4.54
